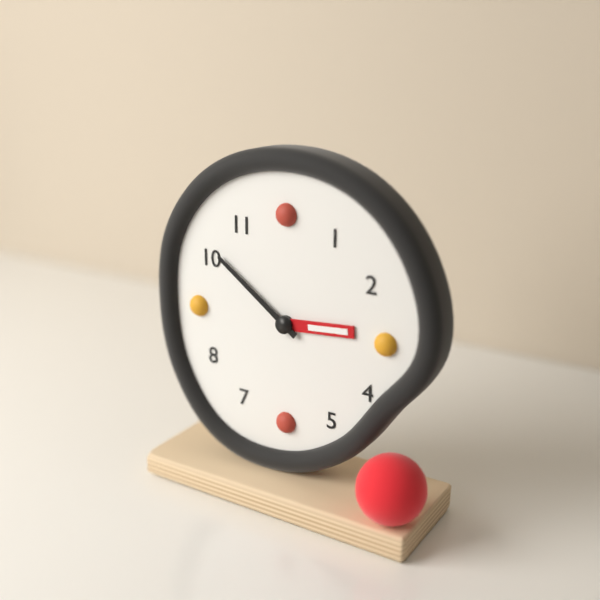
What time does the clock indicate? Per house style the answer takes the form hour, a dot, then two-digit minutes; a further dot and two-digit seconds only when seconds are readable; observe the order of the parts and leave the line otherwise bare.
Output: 2.51
